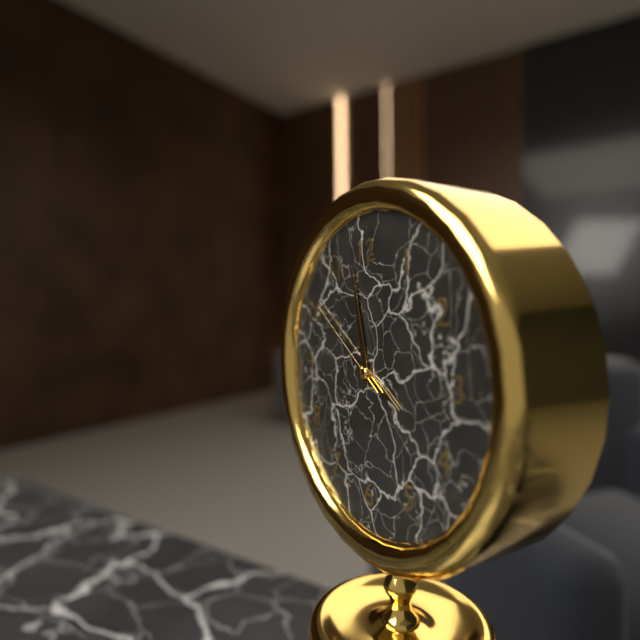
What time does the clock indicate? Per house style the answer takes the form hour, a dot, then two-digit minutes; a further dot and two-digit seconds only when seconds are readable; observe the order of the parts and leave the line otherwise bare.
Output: 3.58.51
